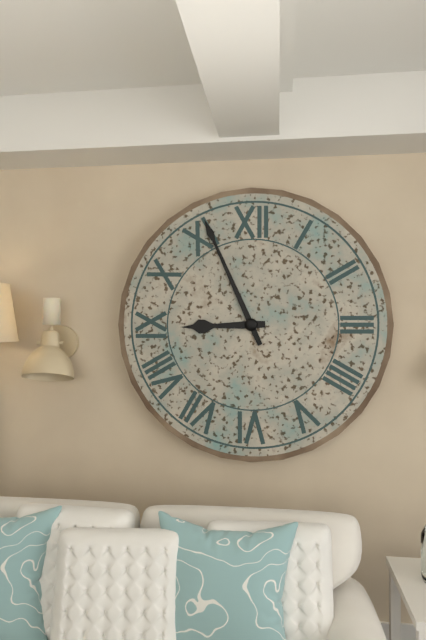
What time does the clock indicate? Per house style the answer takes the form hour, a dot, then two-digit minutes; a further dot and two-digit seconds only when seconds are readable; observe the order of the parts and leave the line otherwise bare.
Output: 8.56
